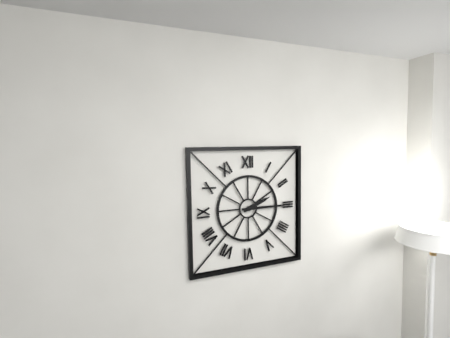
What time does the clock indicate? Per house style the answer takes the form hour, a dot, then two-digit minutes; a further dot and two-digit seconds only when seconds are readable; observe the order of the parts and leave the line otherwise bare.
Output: 2.15
